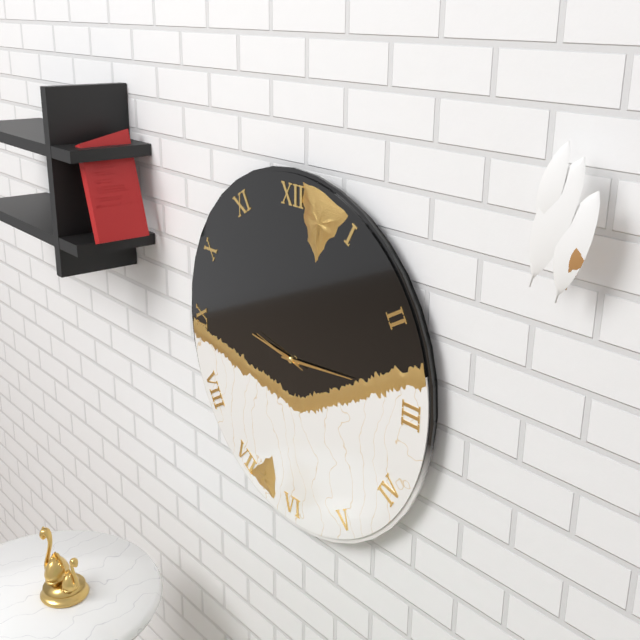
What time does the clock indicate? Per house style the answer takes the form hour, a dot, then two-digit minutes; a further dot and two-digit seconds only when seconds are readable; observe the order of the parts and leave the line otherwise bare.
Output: 9.14.47
